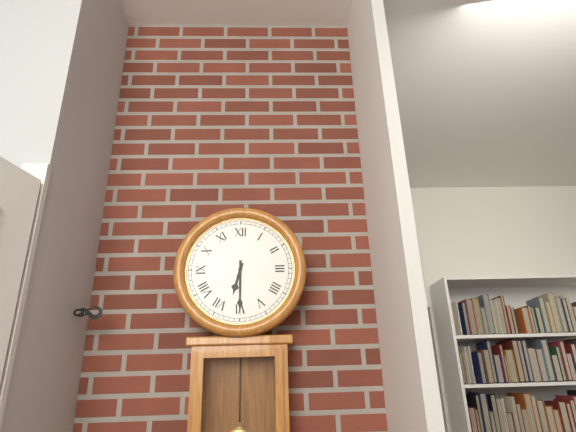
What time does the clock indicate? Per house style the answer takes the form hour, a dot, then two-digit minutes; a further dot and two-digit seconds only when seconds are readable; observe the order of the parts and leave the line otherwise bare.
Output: 6.30
